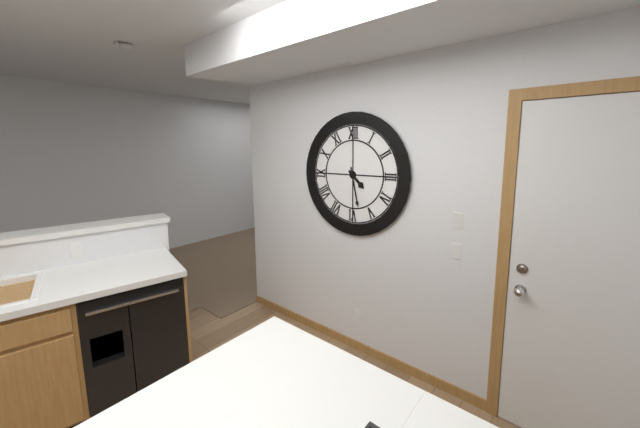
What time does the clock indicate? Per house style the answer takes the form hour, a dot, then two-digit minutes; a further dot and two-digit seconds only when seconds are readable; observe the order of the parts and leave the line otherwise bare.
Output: 4.28
